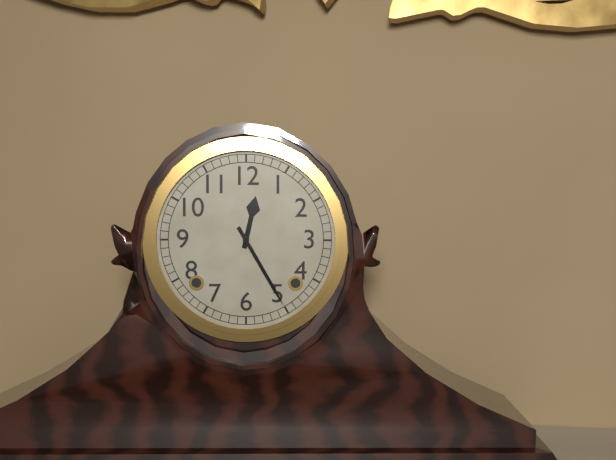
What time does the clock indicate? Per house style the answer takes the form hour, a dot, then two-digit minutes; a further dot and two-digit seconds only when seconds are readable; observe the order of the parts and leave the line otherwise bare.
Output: 12.25
